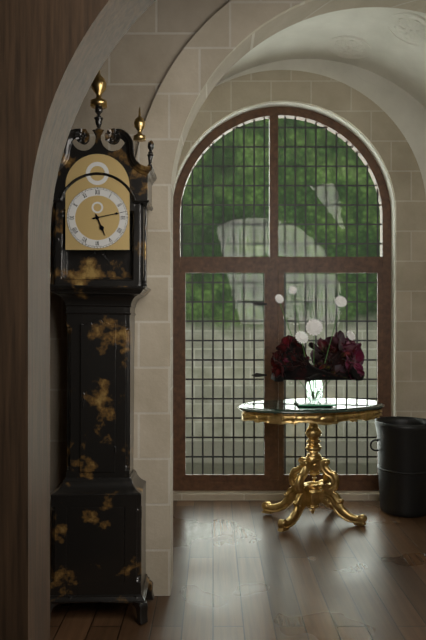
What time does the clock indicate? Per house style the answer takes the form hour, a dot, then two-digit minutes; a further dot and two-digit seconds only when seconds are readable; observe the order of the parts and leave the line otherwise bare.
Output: 5.13
